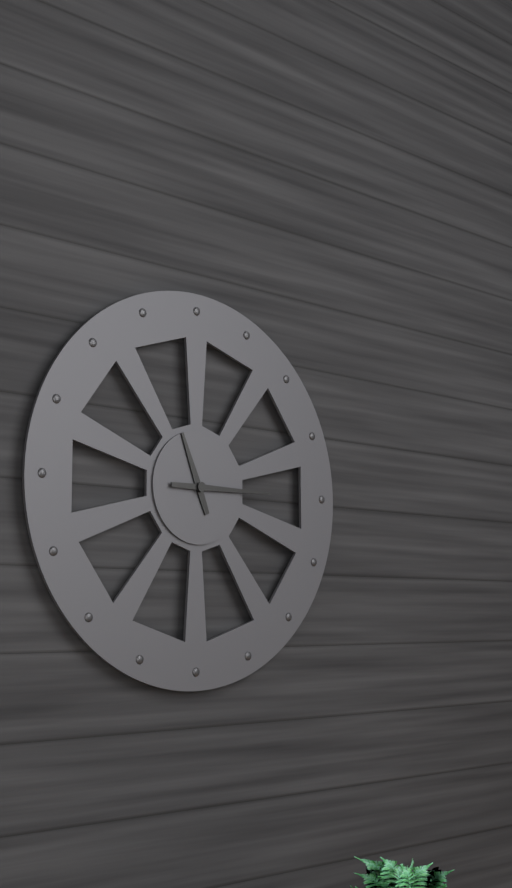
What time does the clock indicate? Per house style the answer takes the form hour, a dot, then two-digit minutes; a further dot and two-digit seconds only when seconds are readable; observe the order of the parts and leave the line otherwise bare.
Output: 11.15
